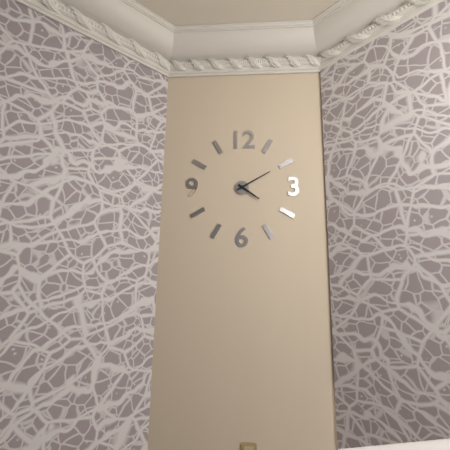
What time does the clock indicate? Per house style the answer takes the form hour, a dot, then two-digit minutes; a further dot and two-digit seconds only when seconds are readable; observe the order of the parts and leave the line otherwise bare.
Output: 4.10
